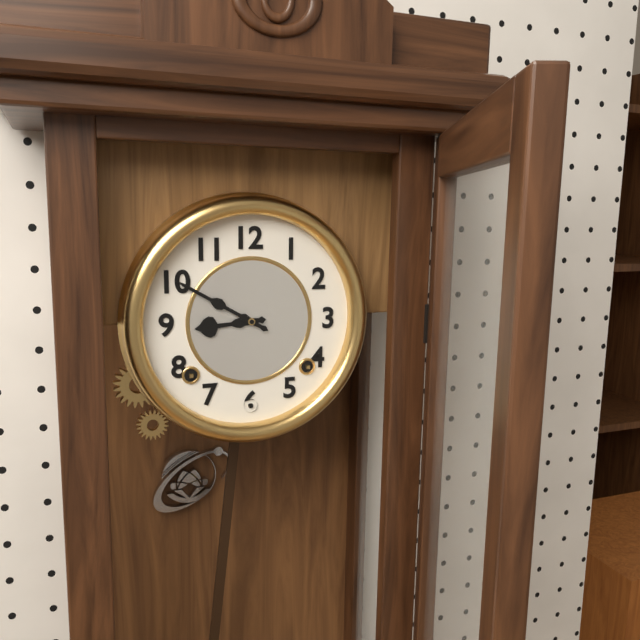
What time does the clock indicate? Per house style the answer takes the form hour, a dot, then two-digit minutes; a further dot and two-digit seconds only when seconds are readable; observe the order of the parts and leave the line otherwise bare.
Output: 8.50
